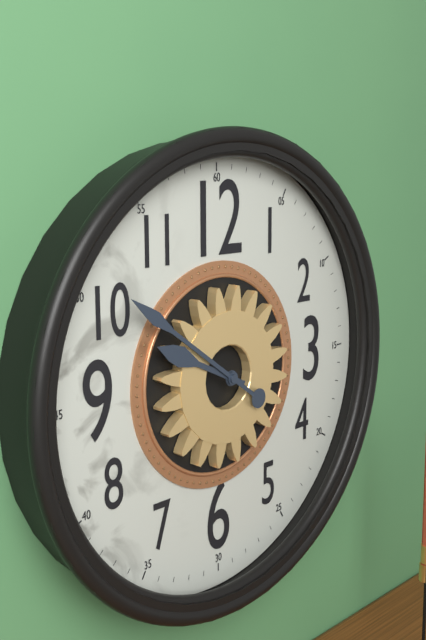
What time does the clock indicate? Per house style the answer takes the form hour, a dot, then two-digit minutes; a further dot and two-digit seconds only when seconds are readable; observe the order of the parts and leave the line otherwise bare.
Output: 9.51
